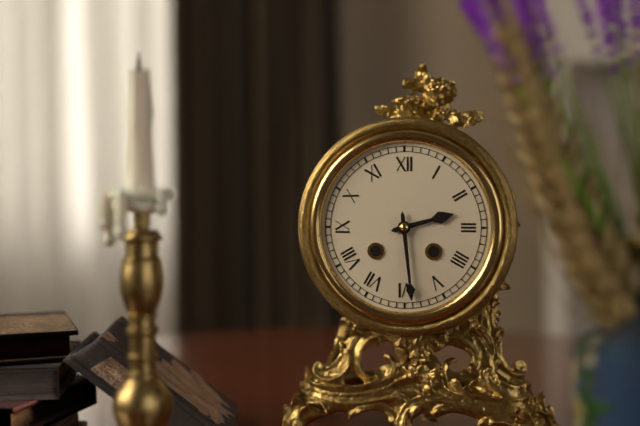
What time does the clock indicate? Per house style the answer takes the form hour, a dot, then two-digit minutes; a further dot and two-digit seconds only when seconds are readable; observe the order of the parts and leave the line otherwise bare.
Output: 2.29
